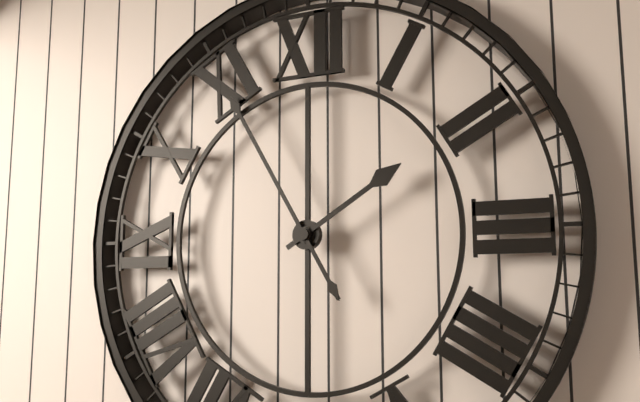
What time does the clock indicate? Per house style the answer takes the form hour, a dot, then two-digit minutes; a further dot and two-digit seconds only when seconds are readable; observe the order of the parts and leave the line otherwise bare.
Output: 1.55
